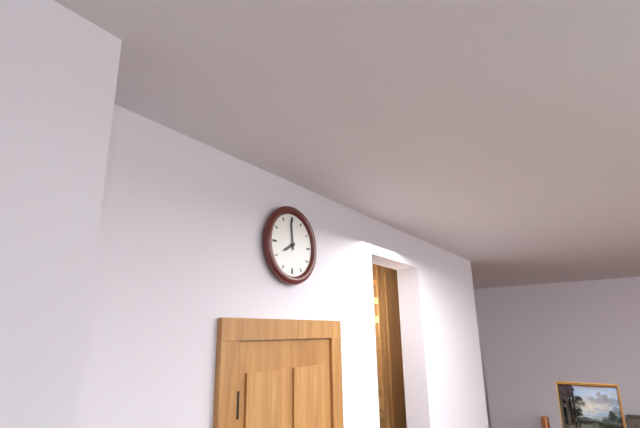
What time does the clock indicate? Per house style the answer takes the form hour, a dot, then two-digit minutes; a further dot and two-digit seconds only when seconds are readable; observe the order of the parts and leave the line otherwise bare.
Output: 7.59
